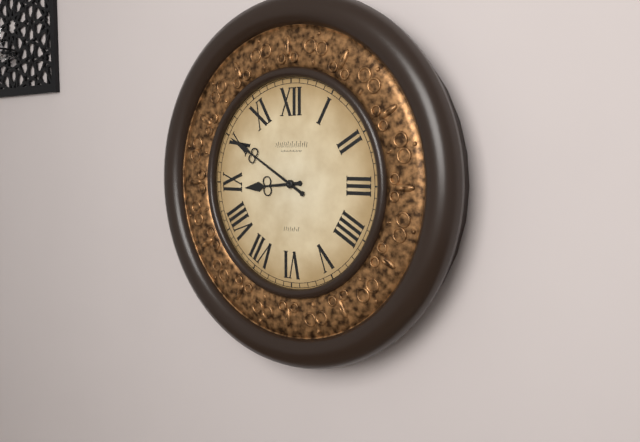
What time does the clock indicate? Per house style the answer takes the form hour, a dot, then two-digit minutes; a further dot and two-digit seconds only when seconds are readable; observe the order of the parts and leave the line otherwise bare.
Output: 8.50
